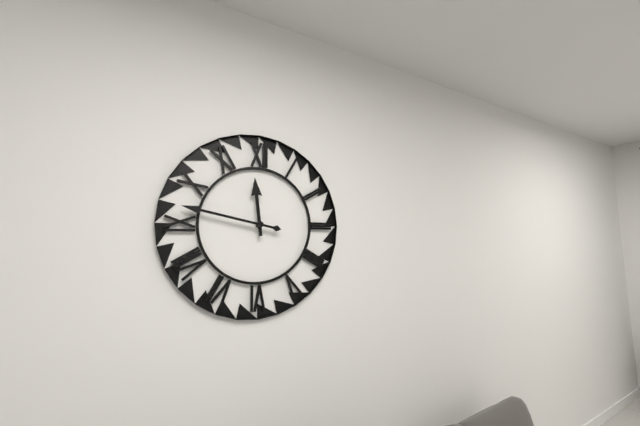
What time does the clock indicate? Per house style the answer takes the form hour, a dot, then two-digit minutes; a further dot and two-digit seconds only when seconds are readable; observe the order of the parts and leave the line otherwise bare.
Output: 11.47
